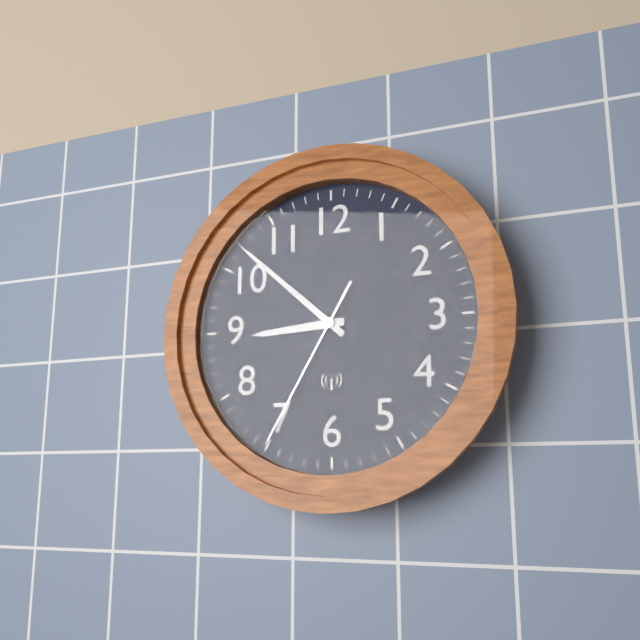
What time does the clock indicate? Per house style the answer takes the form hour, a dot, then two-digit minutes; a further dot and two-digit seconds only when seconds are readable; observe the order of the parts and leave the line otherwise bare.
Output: 8.52.35
